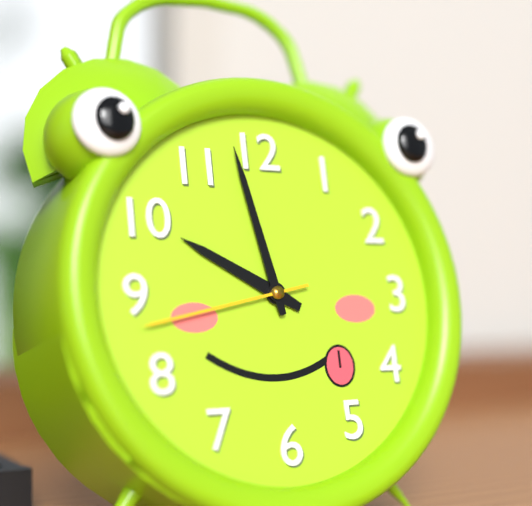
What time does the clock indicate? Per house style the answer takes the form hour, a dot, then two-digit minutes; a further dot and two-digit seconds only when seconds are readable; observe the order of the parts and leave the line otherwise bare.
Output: 9.58.43
